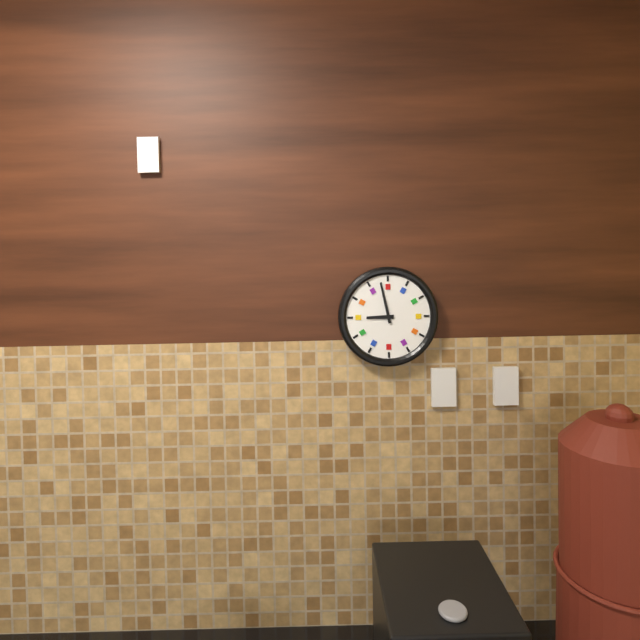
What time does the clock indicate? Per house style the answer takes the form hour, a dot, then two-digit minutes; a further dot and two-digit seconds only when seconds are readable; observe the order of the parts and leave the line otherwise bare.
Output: 8.58
